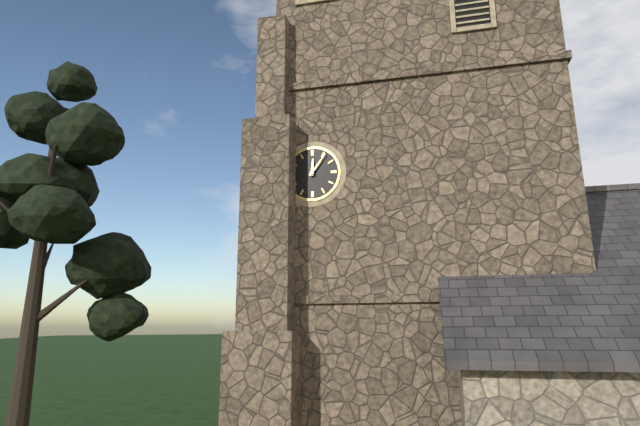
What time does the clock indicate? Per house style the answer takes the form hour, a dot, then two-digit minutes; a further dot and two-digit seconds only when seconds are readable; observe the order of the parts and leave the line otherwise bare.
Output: 12.06
